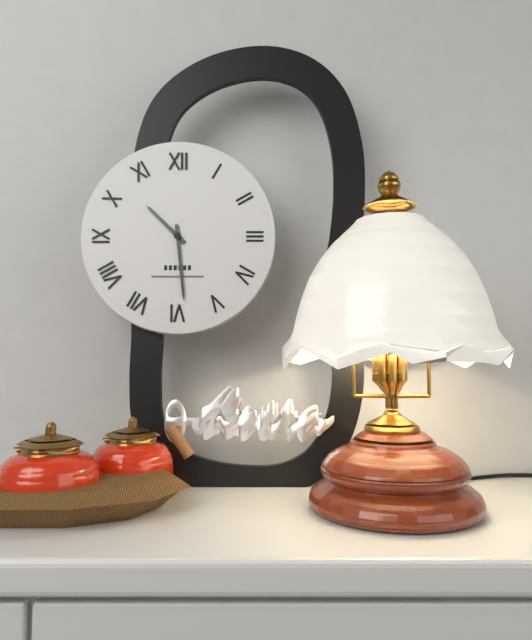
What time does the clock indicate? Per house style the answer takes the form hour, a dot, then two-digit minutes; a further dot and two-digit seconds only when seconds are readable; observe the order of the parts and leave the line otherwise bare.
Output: 10.29
